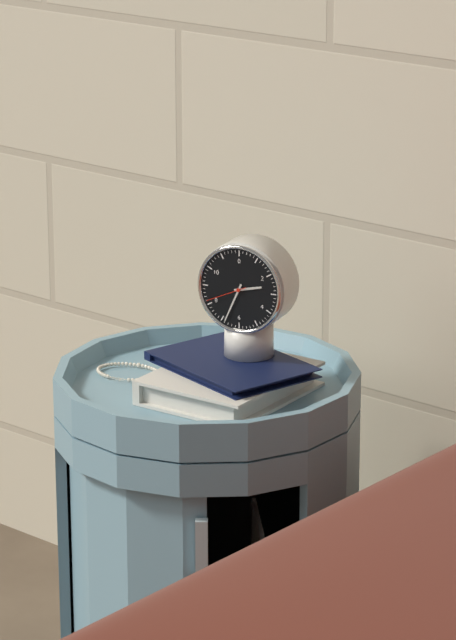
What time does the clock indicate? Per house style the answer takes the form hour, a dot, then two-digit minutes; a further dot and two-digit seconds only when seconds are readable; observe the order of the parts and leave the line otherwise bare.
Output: 2.34
